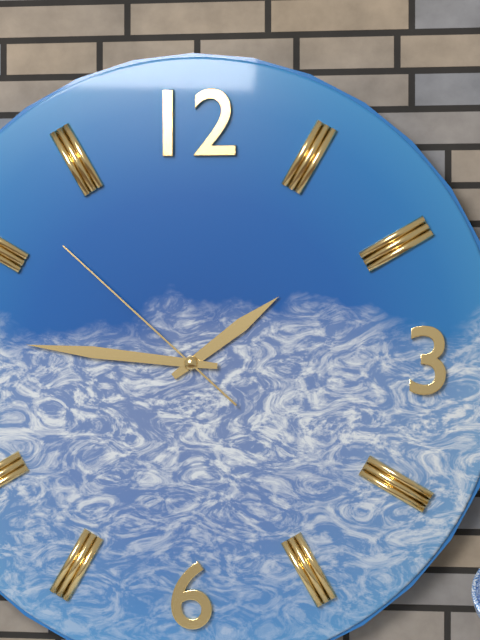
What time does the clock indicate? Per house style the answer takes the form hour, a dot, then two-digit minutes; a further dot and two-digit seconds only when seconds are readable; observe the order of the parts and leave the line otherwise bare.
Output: 1.46.52
